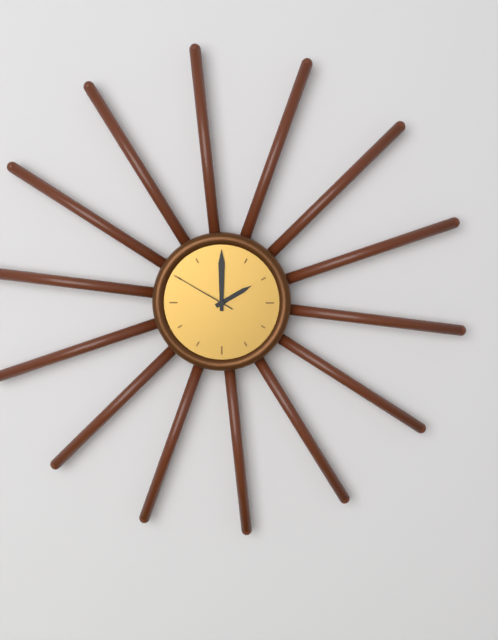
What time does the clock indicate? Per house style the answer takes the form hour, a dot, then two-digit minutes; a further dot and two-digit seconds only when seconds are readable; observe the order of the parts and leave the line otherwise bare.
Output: 2.00.50
